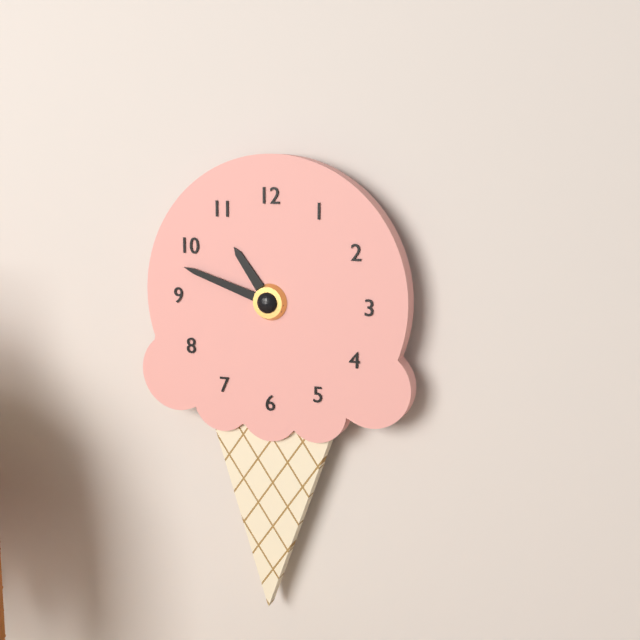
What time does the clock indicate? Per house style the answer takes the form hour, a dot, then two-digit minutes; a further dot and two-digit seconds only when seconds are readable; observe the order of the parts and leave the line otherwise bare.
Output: 10.48
